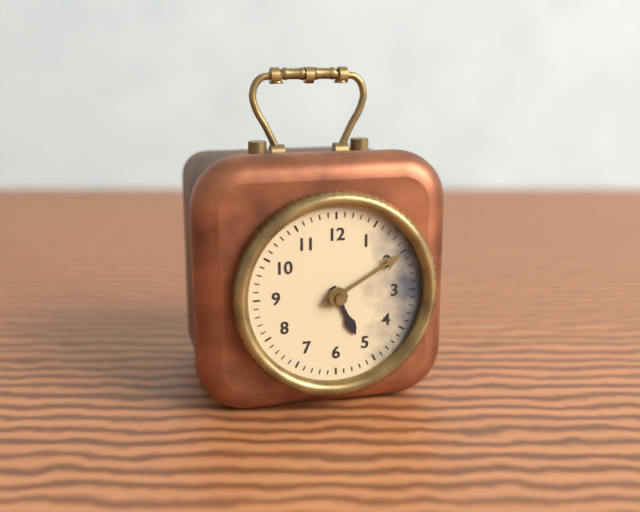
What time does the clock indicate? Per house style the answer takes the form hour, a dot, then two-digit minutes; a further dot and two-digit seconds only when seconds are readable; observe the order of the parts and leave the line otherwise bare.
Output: 5.10
